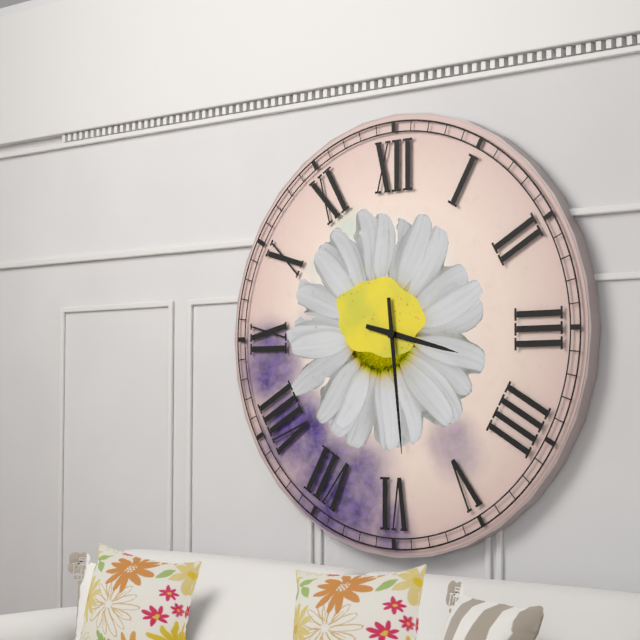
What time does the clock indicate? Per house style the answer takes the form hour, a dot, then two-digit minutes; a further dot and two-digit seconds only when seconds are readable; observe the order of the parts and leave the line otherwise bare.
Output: 3.29
